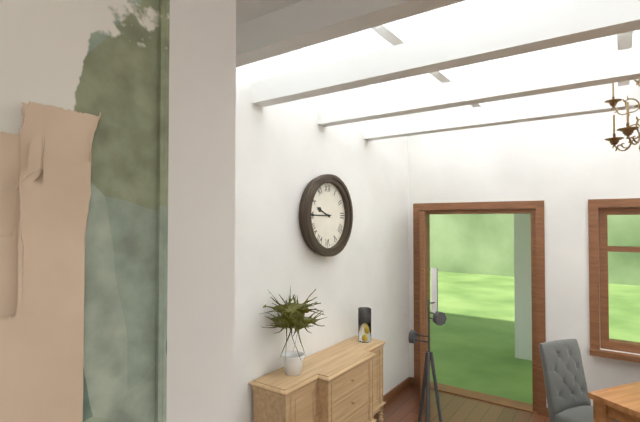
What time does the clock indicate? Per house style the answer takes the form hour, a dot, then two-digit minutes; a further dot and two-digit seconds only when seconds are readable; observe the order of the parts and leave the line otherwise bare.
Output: 9.45
